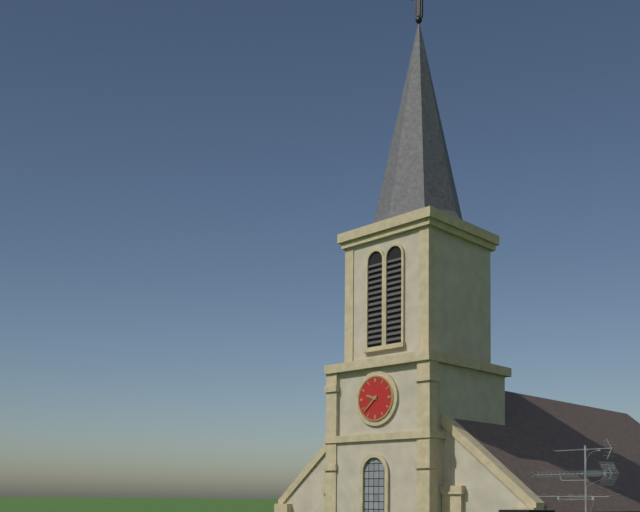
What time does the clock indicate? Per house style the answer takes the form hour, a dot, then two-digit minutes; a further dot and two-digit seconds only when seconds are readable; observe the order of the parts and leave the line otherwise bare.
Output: 9.38
